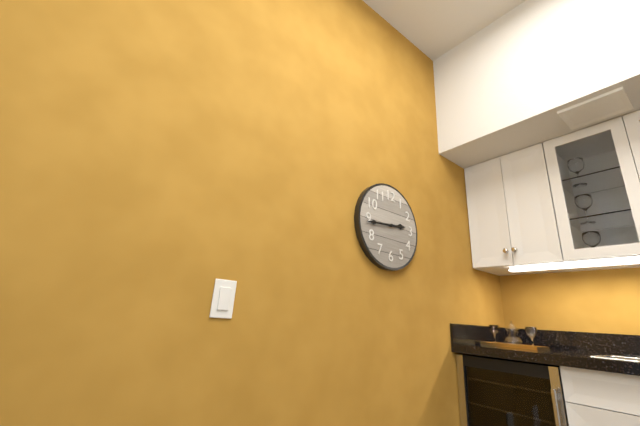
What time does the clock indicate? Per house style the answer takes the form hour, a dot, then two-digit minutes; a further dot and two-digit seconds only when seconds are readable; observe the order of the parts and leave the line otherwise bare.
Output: 2.44
